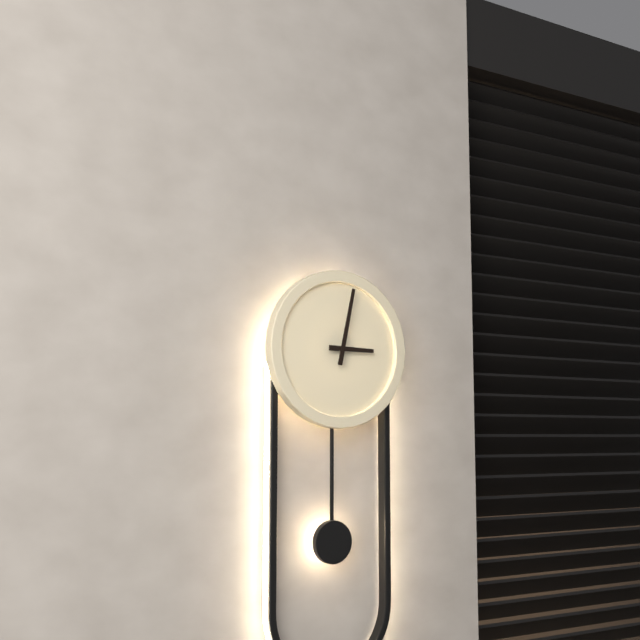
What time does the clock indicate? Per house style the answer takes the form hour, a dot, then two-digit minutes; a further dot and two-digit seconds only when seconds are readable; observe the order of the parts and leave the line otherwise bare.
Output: 3.02
